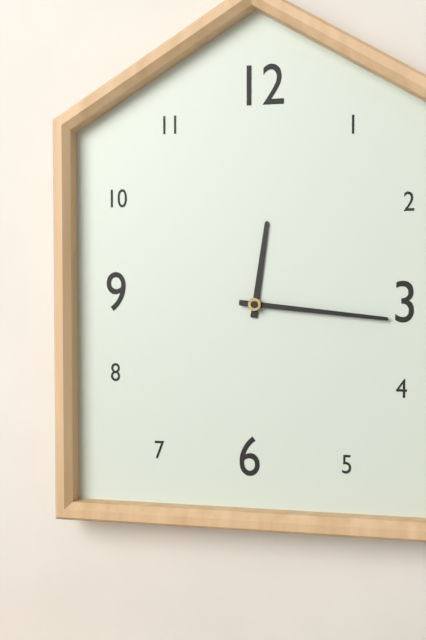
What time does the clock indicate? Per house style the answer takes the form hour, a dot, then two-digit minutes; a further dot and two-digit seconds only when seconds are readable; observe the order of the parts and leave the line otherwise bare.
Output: 12.16
